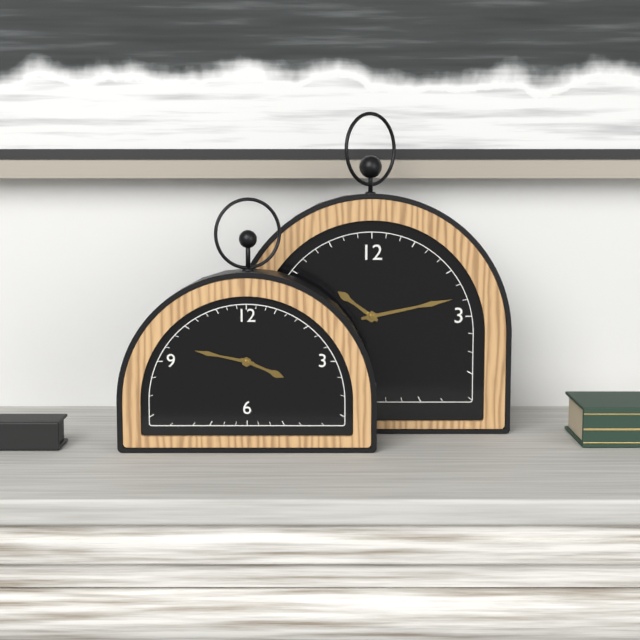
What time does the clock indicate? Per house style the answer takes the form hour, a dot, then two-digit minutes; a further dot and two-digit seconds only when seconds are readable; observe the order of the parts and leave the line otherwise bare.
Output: 3.47
